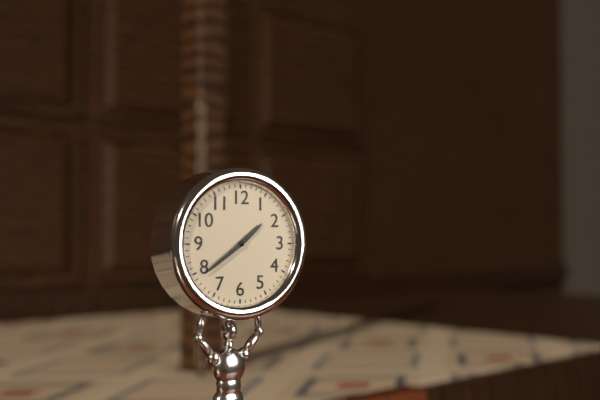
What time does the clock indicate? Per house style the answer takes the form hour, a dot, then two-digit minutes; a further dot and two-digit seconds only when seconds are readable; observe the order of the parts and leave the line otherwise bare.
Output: 1.39
